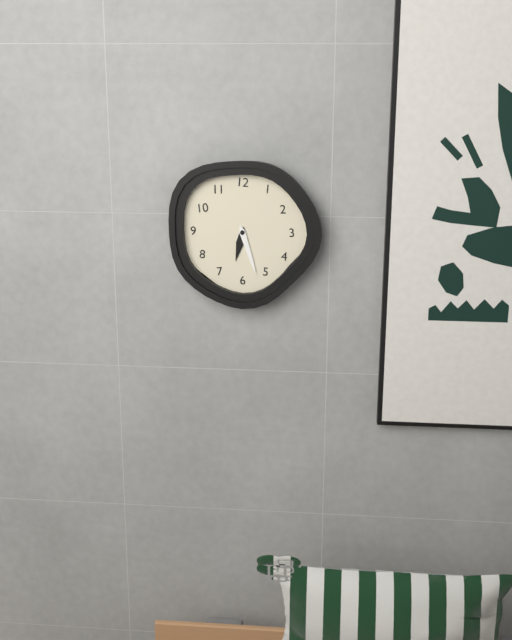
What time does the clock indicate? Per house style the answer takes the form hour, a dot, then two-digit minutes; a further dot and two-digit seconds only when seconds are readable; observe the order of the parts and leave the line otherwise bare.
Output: 6.27
